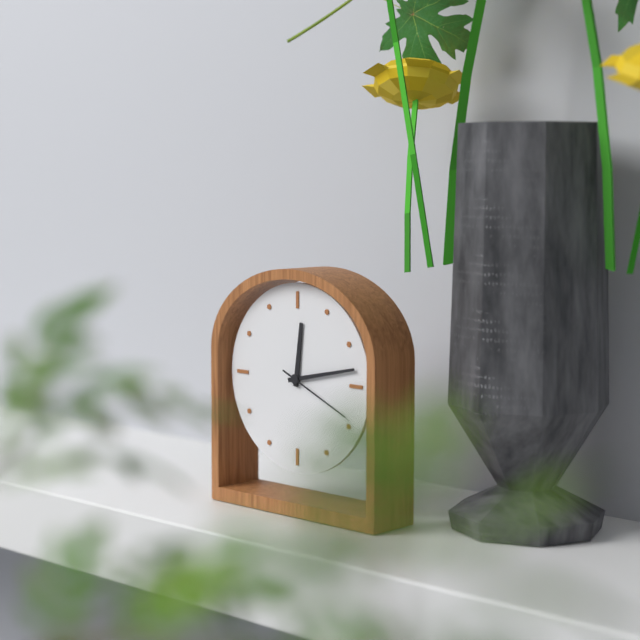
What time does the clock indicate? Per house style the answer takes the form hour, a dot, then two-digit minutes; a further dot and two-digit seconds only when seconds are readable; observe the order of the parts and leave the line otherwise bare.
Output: 12.13.19
